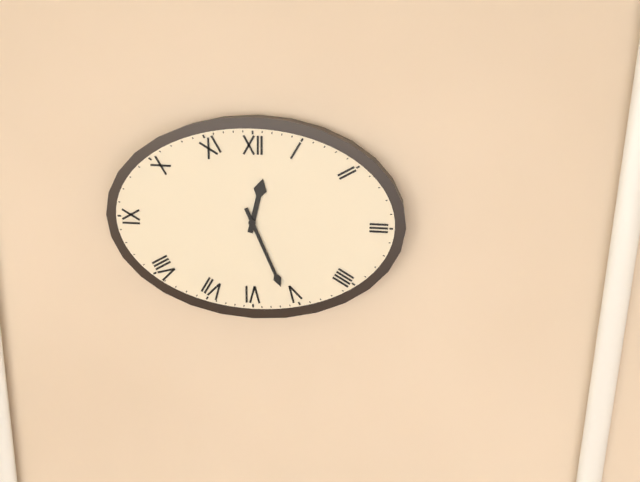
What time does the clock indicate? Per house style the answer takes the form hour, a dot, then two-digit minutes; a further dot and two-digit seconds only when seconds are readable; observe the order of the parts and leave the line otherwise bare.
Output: 12.26
